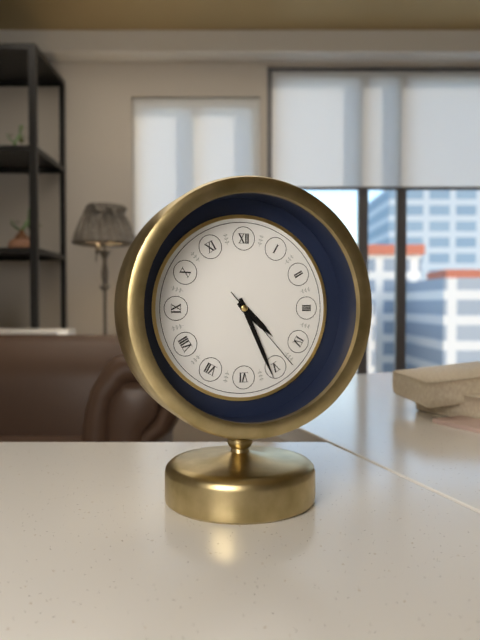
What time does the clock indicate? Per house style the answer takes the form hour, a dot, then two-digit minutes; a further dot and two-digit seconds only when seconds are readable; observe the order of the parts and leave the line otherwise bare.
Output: 4.26.23
